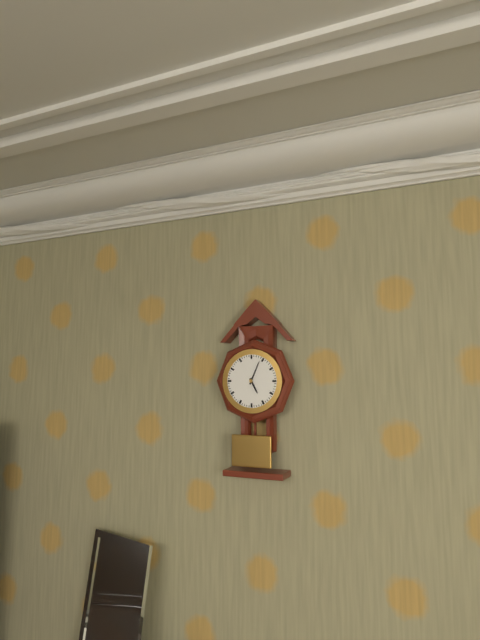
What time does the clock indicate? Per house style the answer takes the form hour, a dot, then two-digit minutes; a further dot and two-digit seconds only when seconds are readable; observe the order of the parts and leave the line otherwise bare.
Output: 5.04
